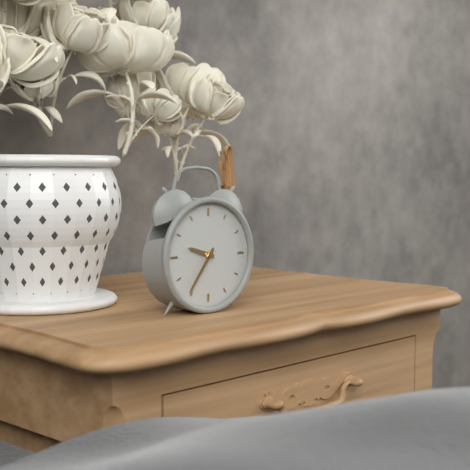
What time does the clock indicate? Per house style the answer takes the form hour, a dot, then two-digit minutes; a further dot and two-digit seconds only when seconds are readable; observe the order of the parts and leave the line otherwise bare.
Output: 9.36
